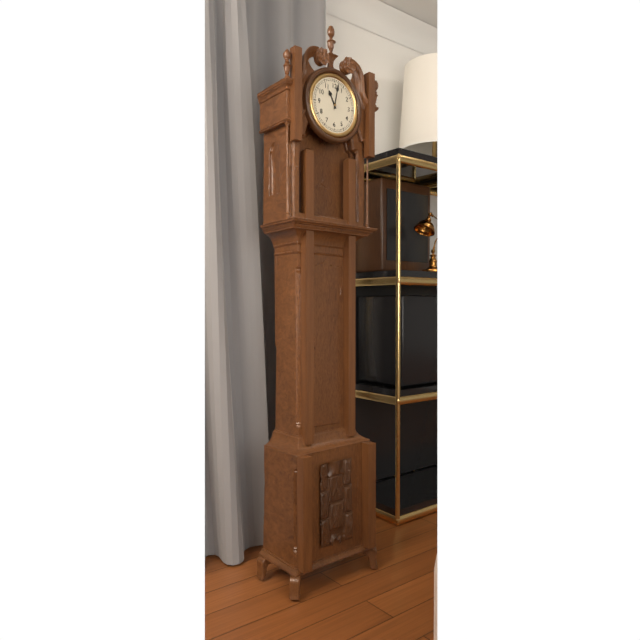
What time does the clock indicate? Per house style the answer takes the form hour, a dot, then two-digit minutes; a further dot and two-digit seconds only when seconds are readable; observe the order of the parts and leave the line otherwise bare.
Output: 11.02
